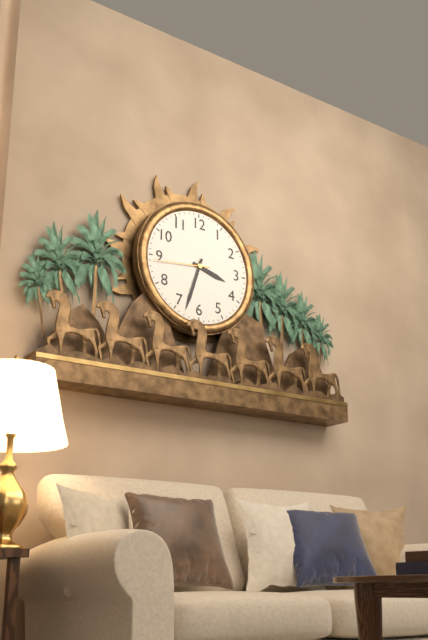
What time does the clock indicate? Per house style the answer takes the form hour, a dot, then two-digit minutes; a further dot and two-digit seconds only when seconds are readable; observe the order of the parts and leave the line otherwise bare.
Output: 3.33.44
